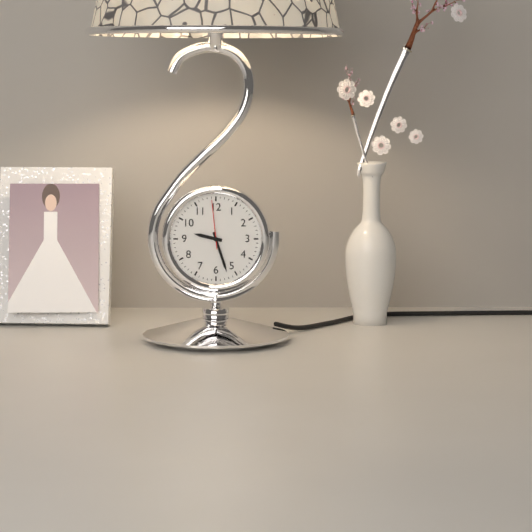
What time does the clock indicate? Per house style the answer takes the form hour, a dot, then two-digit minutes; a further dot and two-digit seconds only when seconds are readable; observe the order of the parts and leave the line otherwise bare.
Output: 9.27
